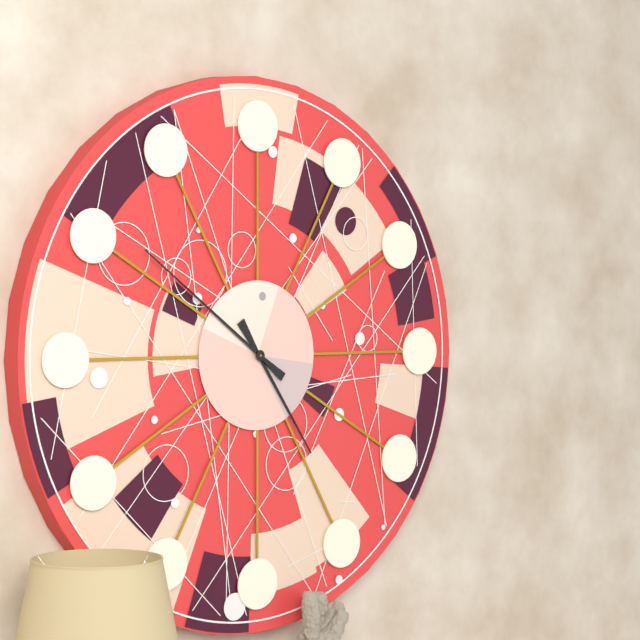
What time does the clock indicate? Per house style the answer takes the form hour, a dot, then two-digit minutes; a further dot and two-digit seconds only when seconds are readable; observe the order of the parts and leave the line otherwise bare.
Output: 4.51
